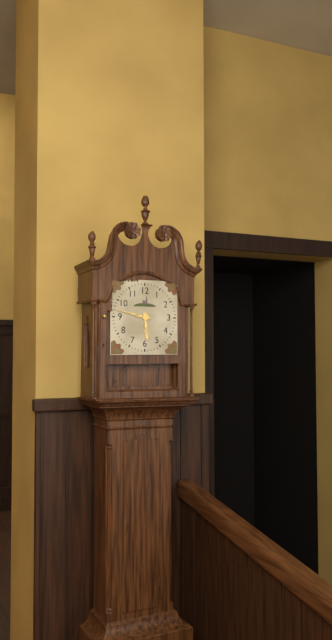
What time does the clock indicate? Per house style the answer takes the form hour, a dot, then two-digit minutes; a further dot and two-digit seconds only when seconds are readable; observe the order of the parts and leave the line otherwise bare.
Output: 5.47
